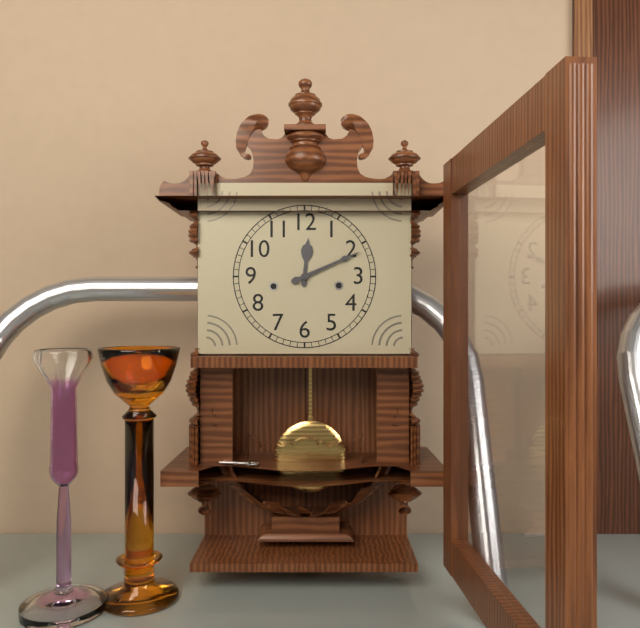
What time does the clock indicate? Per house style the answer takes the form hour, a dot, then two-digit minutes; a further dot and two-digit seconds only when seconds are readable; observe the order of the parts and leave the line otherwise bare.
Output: 12.11
